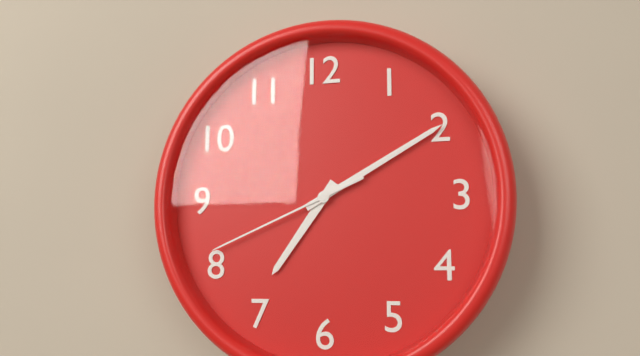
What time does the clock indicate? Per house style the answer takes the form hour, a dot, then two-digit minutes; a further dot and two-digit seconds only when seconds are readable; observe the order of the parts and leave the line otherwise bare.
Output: 7.10.41
